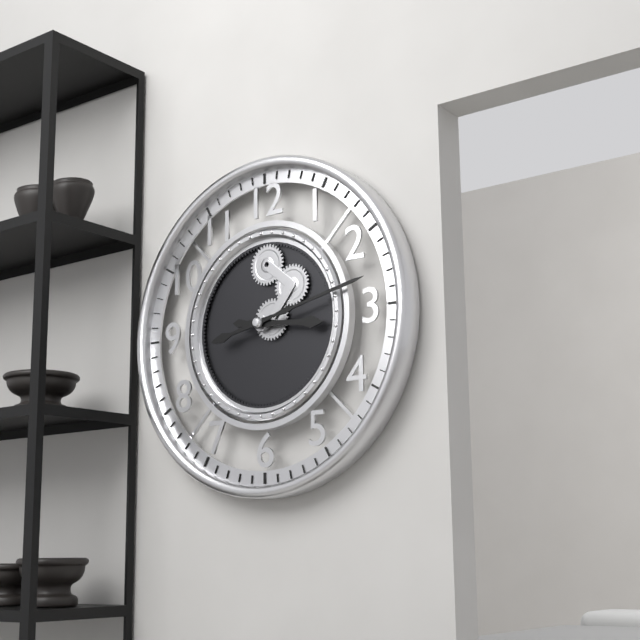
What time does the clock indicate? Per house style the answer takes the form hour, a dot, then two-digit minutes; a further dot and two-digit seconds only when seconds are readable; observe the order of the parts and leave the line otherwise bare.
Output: 3.13
